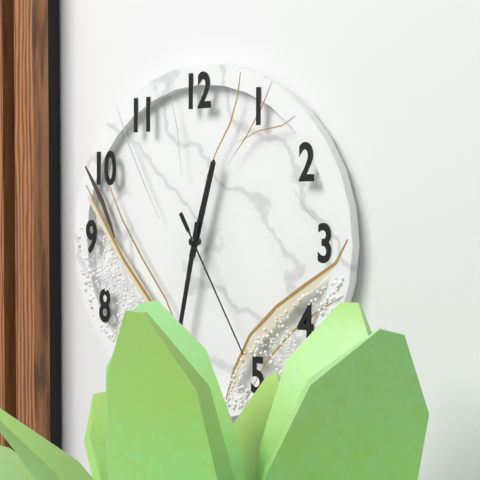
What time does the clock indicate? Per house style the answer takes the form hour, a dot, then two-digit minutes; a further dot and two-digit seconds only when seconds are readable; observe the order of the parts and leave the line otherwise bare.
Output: 12.32.25
